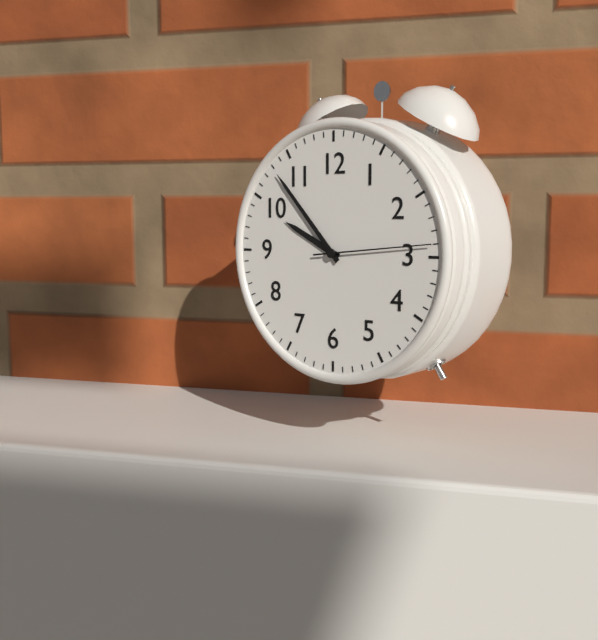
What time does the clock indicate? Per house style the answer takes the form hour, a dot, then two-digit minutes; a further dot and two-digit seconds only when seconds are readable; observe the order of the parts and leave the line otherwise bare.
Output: 9.53.14
